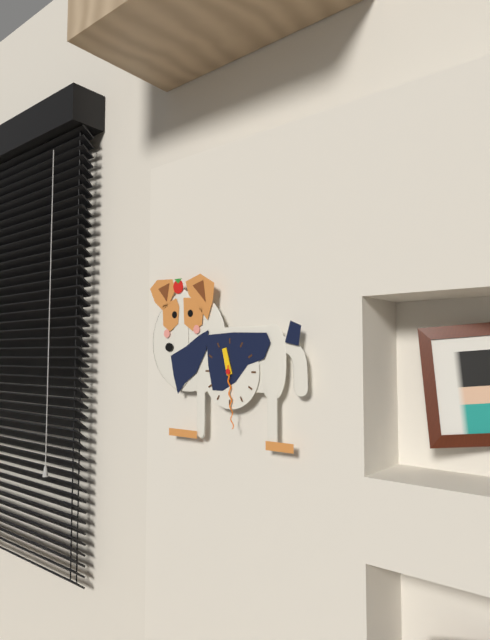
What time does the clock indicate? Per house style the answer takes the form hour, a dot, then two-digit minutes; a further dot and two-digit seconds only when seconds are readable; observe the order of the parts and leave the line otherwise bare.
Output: 11.29
